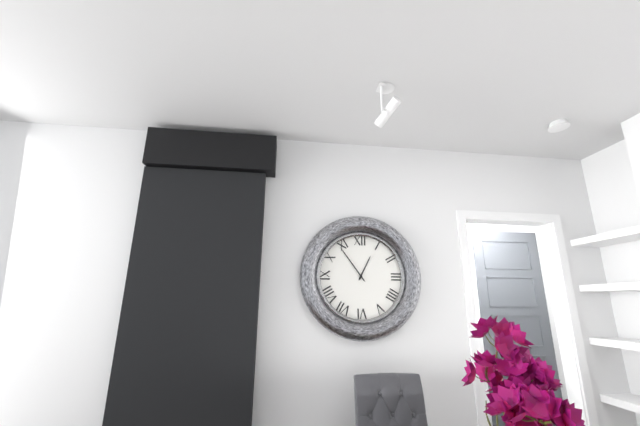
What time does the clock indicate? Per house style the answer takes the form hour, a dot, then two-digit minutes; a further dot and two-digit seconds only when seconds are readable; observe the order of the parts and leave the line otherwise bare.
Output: 12.54
